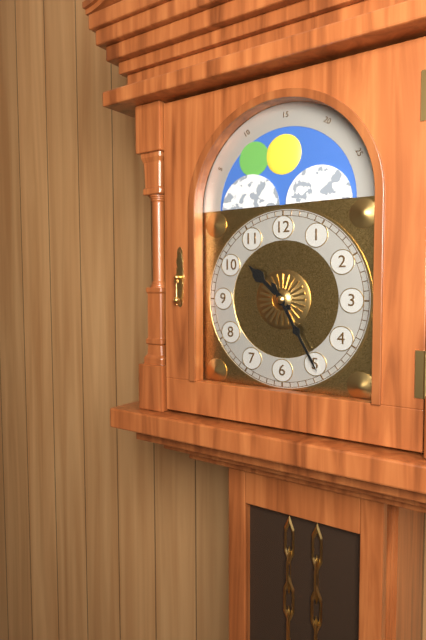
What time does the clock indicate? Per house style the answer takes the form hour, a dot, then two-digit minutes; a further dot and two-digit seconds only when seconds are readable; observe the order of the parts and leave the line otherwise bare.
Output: 10.25
